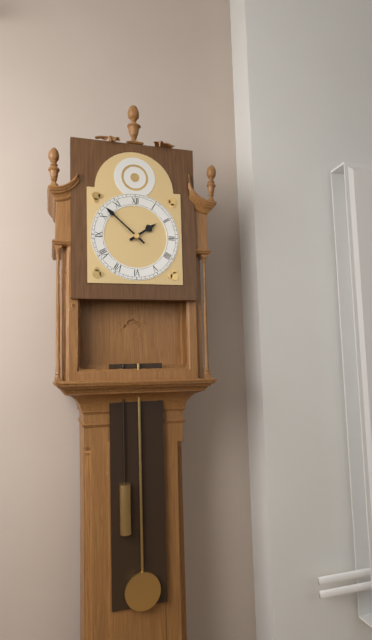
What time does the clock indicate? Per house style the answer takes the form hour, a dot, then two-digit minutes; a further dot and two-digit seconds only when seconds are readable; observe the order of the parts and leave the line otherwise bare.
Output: 1.52
